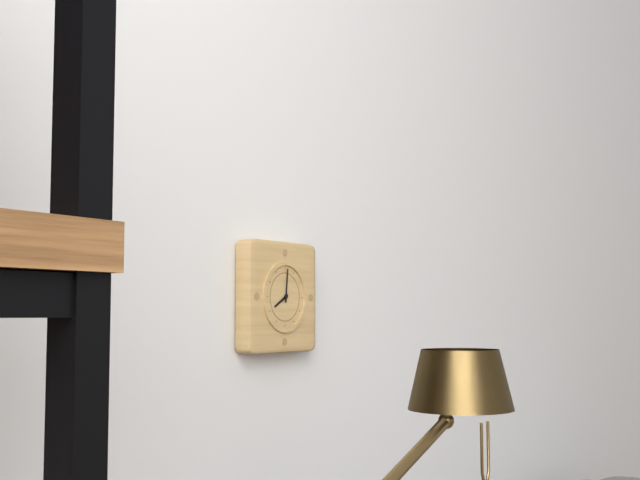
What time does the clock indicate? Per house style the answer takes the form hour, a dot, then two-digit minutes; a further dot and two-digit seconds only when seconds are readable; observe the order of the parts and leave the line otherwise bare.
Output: 8.01
